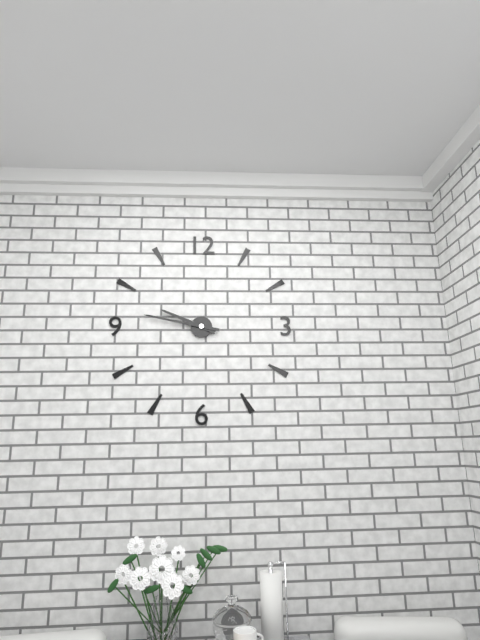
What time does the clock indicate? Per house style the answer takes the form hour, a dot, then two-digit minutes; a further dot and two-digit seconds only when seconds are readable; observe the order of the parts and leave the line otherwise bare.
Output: 9.47
